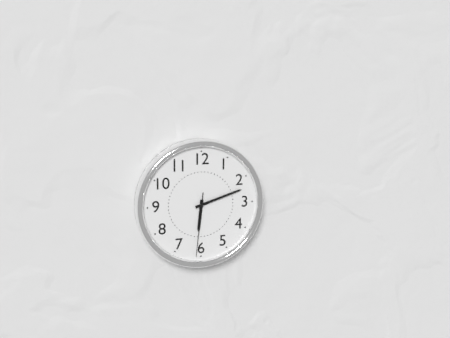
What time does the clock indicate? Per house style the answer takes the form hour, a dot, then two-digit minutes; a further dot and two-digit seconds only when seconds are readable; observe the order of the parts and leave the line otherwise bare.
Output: 6.12.31
